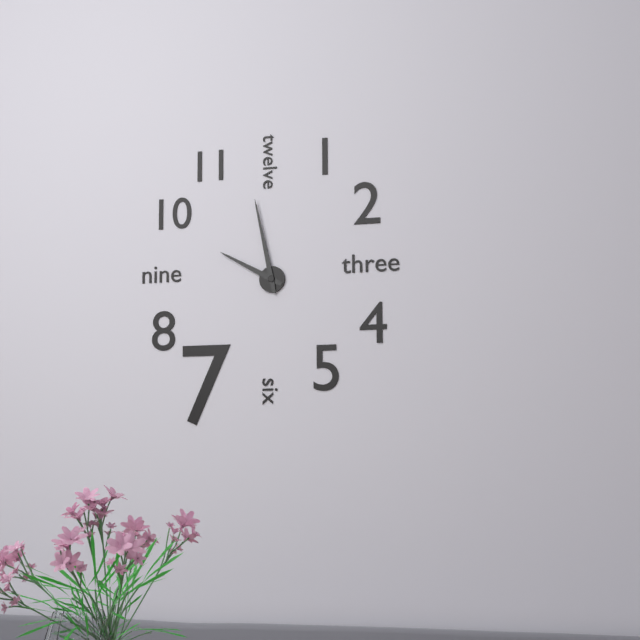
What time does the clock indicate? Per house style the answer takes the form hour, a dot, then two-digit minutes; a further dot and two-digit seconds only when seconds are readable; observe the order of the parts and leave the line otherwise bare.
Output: 9.58
